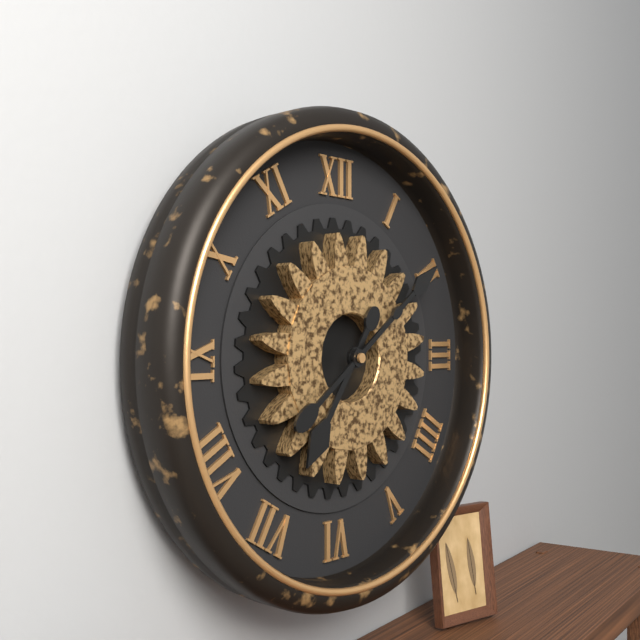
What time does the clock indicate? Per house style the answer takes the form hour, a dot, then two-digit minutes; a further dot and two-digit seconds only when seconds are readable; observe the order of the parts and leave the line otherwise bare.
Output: 7.09
